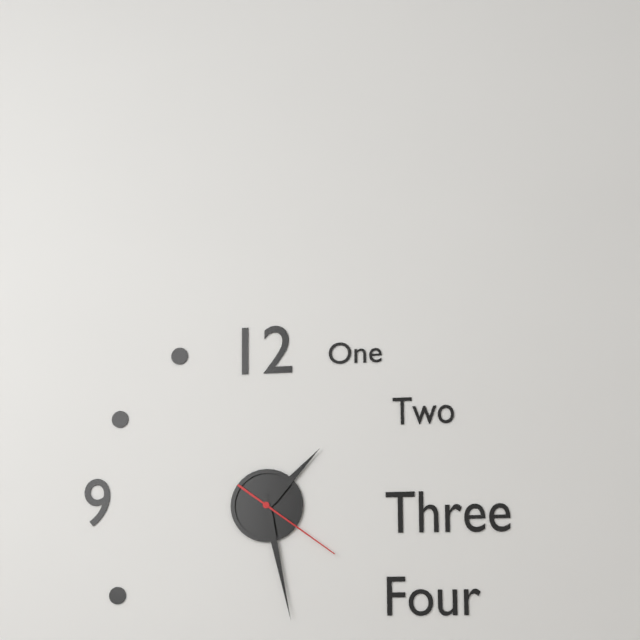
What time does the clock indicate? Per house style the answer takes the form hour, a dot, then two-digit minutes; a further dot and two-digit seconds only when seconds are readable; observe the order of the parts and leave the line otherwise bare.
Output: 1.28.21
